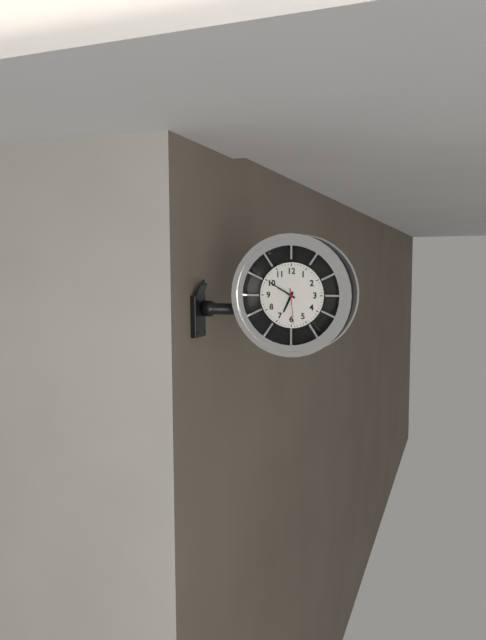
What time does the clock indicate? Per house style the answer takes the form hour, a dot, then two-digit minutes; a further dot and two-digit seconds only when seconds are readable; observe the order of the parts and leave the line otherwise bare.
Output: 6.50
